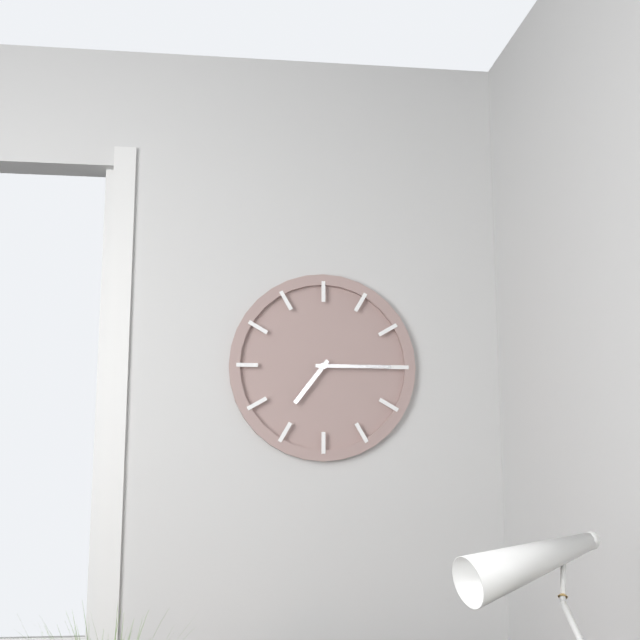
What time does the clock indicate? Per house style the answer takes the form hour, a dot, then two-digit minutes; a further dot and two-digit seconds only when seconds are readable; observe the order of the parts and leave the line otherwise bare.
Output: 7.15
